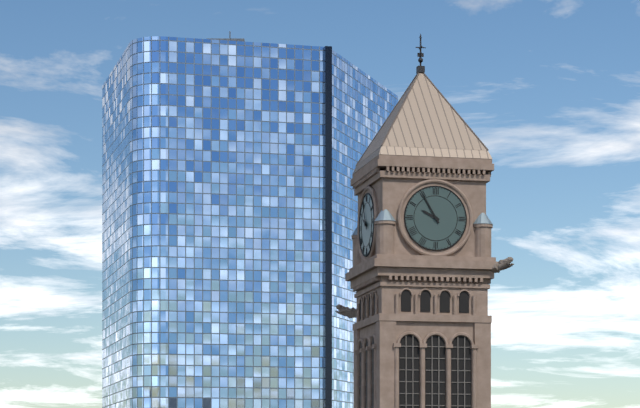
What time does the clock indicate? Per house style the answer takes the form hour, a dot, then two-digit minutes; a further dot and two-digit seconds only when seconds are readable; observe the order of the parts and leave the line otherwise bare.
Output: 9.55
